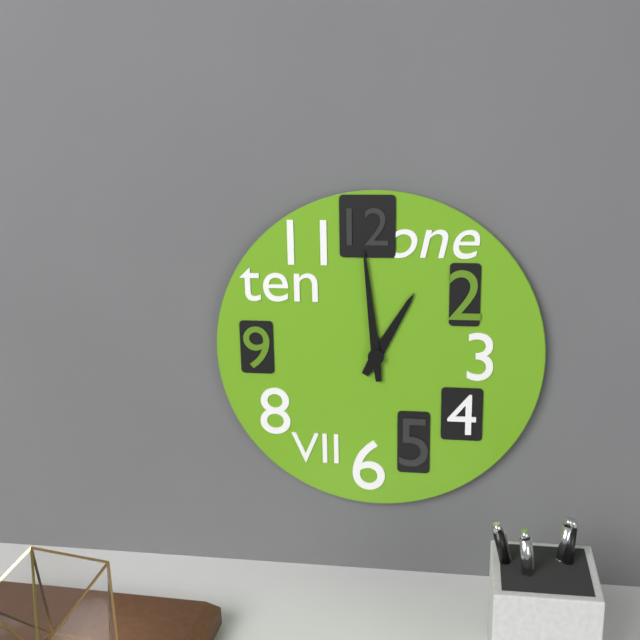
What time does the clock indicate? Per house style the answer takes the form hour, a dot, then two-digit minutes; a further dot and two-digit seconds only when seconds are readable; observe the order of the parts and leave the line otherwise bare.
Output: 12.59
